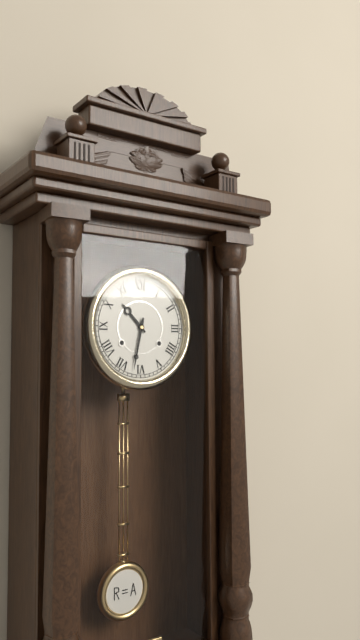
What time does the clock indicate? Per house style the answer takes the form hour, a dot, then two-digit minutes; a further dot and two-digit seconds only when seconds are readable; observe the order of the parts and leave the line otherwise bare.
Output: 10.32
